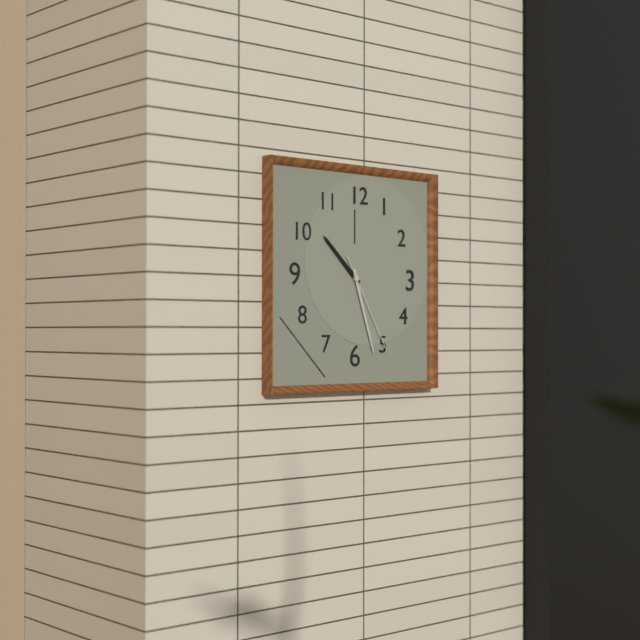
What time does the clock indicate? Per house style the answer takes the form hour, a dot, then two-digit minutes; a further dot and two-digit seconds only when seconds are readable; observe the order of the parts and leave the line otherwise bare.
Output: 10.27.25
